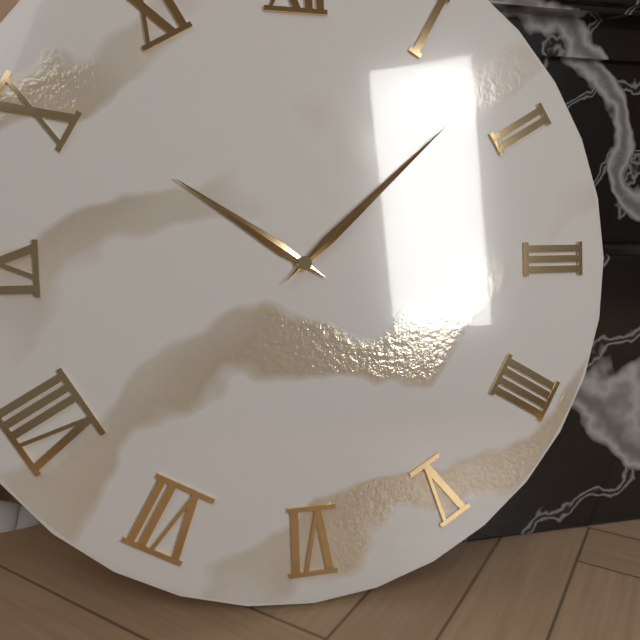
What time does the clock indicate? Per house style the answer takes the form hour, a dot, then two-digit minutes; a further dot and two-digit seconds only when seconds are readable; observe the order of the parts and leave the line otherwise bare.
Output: 10.08
